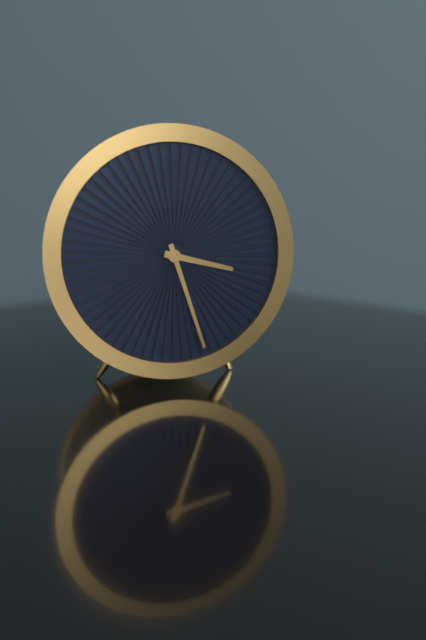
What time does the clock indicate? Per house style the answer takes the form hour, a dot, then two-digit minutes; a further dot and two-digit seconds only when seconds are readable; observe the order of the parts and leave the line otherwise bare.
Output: 3.27
